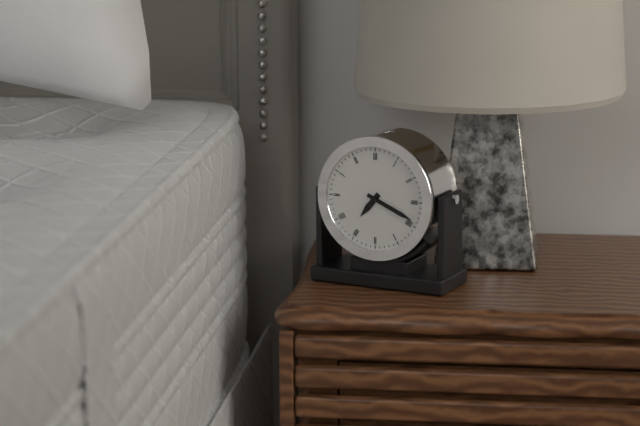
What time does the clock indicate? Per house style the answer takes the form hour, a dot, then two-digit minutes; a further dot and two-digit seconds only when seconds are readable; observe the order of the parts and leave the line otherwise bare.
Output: 7.19
